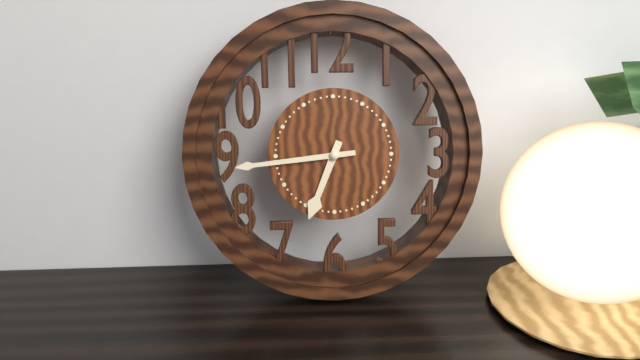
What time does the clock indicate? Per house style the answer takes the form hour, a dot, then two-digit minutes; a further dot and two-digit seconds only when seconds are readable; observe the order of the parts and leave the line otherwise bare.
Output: 6.44
